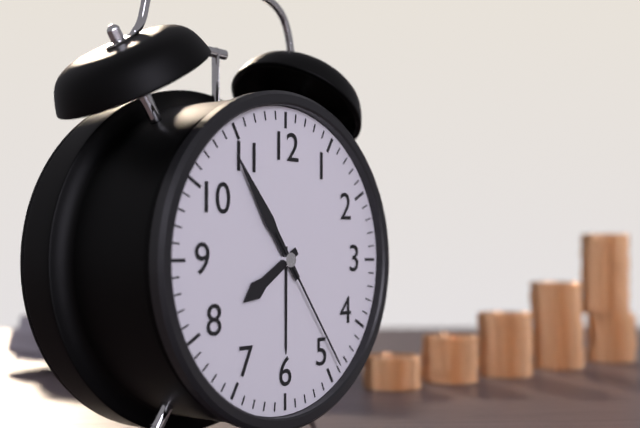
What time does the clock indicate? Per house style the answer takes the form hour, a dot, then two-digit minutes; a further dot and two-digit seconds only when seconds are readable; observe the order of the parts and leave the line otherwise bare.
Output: 7.54.24
